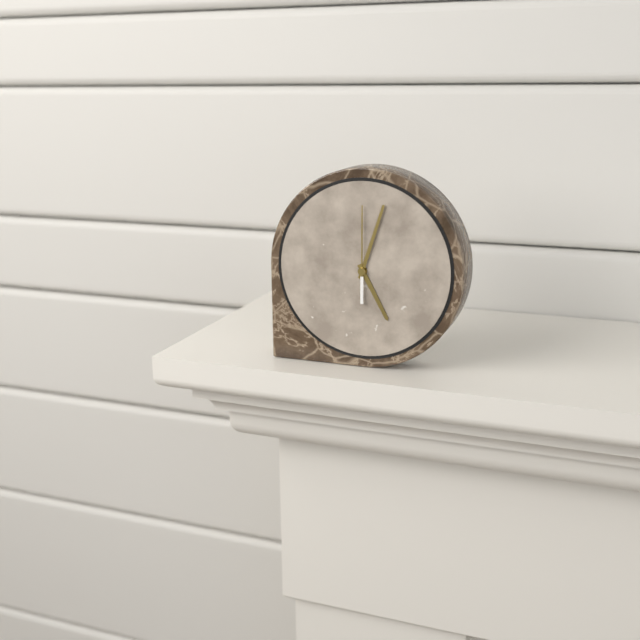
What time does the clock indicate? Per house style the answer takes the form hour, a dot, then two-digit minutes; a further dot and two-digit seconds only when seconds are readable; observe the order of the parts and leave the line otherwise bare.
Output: 5.03.00
